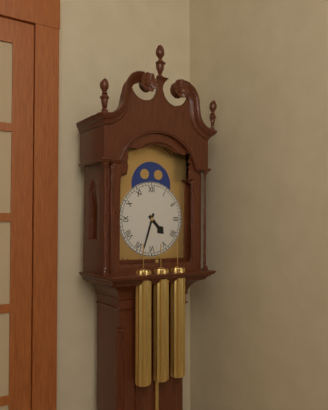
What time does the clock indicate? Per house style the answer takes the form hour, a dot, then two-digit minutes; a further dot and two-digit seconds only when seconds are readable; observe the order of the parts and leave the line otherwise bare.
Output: 4.33
